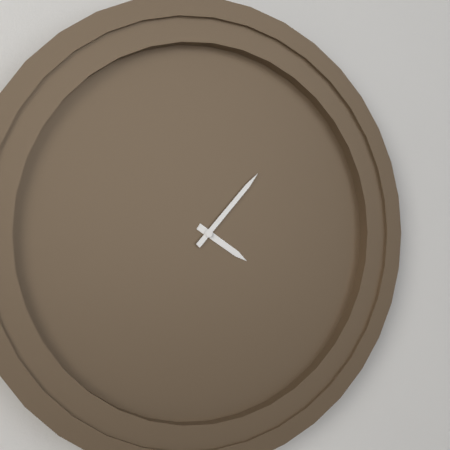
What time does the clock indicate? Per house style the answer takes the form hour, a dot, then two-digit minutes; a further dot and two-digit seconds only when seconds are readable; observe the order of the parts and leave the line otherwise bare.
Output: 4.07
